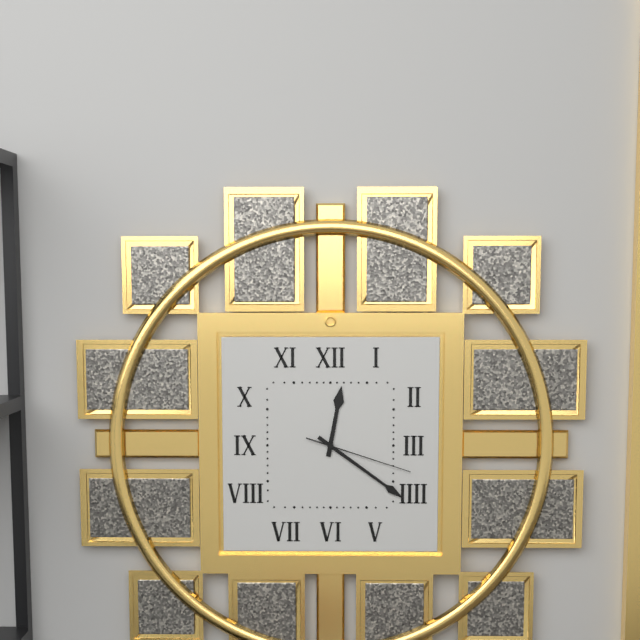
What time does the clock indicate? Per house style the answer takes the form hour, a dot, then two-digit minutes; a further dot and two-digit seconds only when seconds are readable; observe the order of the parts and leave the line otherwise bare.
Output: 12.21.18
